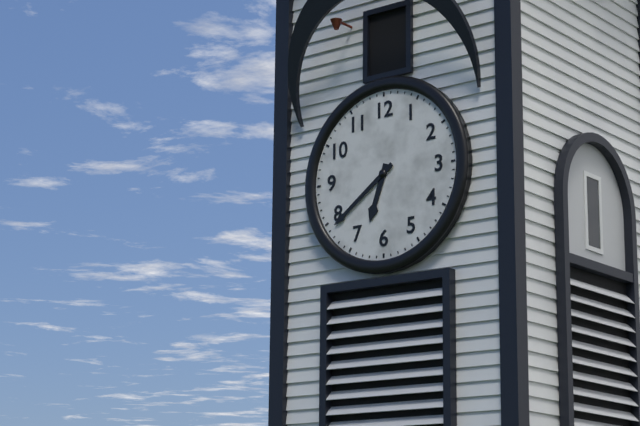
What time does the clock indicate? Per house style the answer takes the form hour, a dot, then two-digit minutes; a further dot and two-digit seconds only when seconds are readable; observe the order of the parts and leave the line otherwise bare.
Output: 6.39
